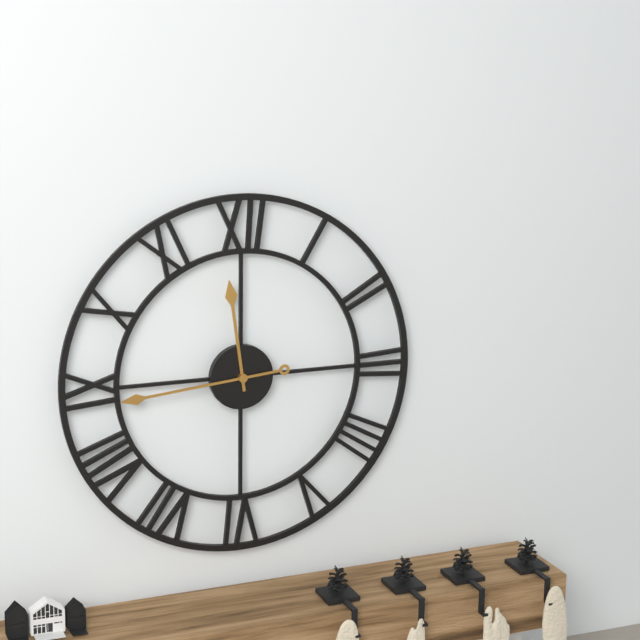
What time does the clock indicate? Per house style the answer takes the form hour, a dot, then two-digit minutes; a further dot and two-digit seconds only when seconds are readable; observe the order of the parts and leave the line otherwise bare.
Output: 11.44
